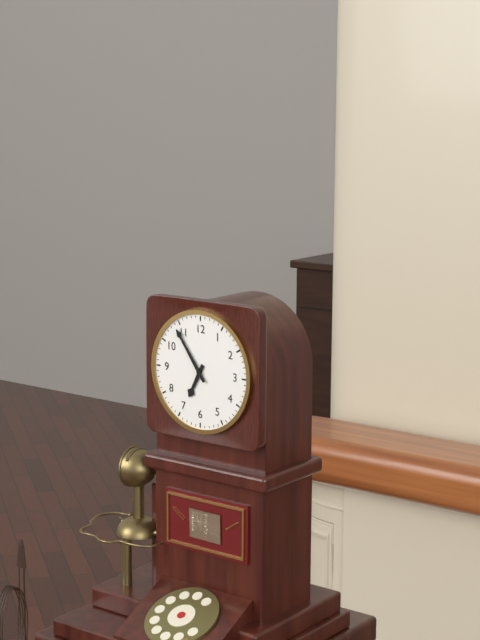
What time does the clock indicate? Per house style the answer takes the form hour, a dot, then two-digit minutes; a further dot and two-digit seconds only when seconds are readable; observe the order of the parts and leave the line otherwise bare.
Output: 6.54
